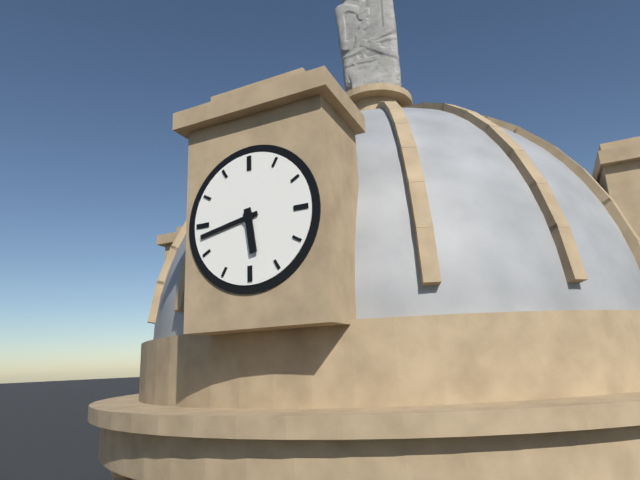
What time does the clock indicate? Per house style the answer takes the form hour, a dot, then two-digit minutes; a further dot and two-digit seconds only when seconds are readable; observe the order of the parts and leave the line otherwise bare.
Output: 5.43
